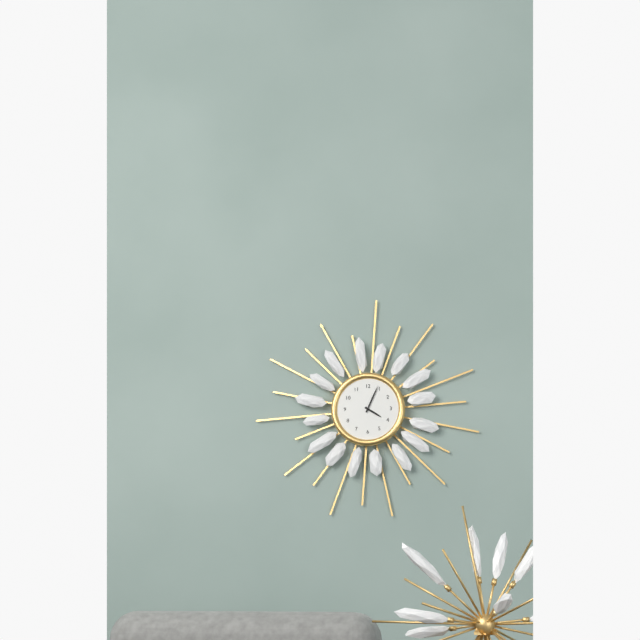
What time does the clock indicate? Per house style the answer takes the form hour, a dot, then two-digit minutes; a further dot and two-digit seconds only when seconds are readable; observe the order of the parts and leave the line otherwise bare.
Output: 4.04
